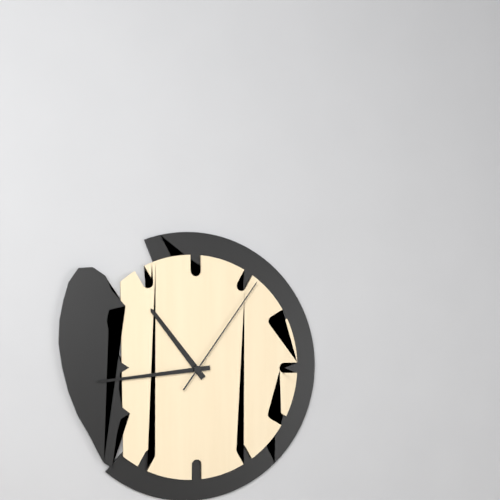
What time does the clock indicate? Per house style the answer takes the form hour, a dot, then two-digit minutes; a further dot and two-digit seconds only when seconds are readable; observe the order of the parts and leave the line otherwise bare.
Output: 10.44.06
